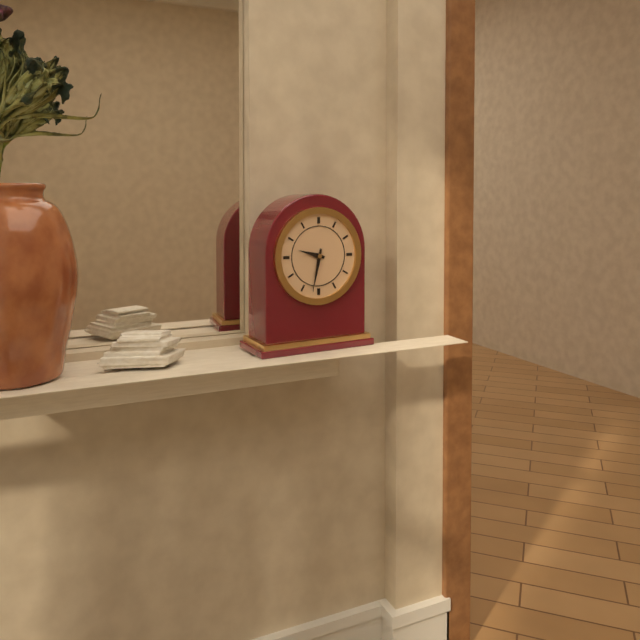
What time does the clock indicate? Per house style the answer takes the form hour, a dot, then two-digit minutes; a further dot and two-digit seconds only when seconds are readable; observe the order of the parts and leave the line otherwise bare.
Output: 9.32
